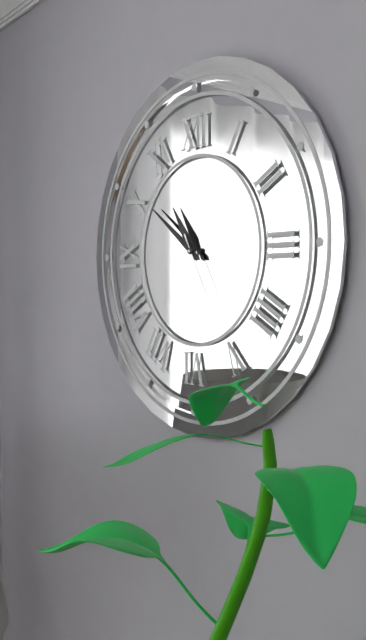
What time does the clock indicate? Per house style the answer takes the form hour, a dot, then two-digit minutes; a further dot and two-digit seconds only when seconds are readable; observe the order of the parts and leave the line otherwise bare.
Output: 10.51.25
